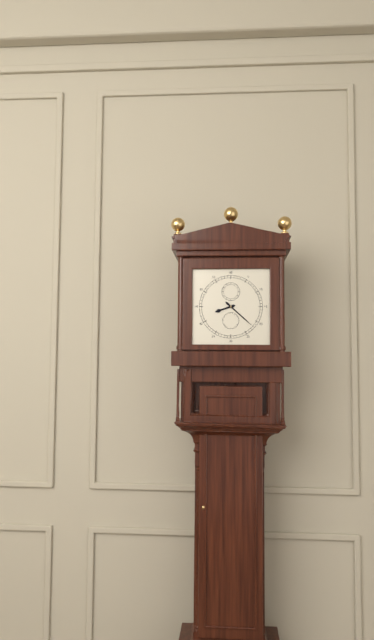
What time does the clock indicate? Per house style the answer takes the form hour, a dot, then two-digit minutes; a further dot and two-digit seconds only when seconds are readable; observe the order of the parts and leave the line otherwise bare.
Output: 8.22
